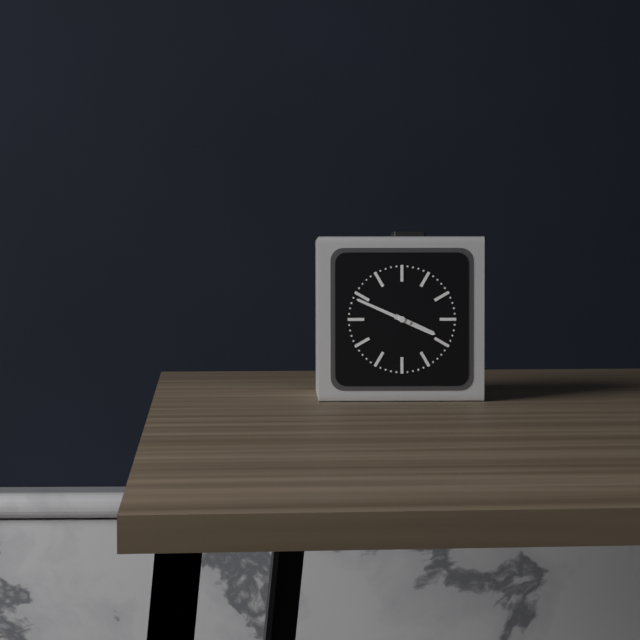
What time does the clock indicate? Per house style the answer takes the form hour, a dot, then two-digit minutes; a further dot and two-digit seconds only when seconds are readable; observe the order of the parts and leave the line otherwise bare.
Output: 3.49
